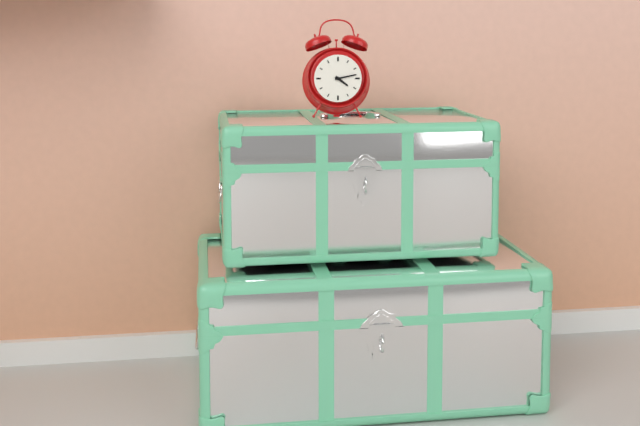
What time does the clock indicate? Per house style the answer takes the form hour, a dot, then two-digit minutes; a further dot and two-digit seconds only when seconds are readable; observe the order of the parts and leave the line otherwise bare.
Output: 4.13
